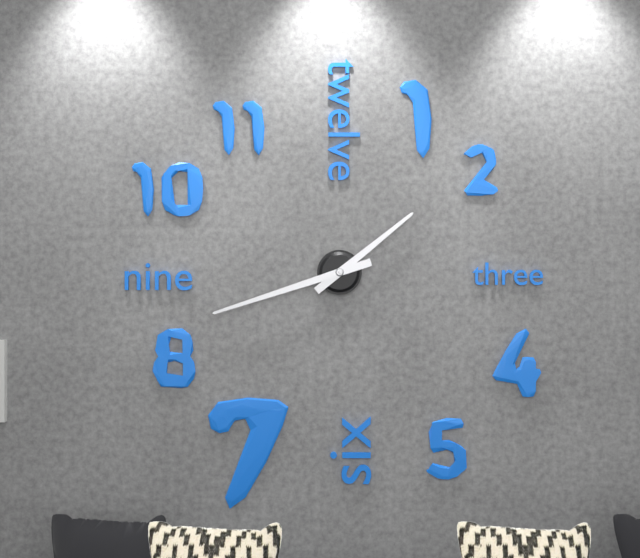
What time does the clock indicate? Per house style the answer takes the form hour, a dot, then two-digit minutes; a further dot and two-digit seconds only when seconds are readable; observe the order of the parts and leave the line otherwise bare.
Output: 1.42
